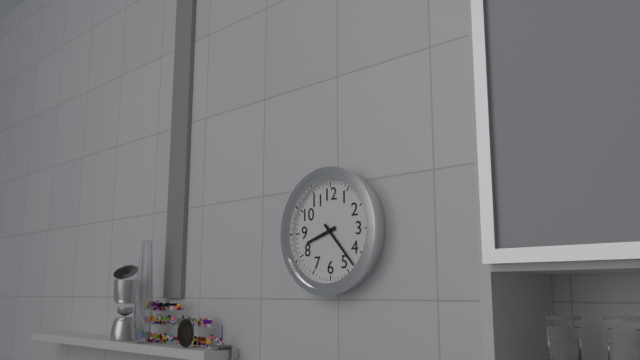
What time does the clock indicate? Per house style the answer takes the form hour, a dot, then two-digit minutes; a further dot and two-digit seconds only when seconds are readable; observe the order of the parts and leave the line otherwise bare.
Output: 8.23
